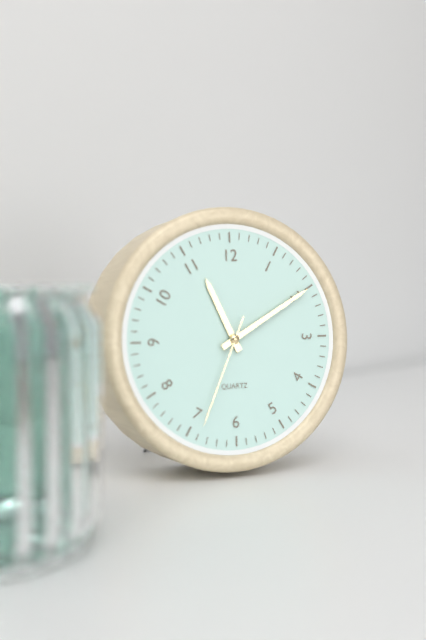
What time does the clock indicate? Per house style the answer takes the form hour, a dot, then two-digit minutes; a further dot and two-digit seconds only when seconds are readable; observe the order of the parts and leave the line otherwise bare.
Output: 11.10.34
